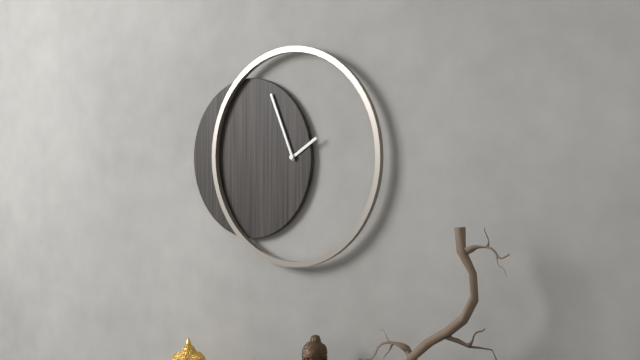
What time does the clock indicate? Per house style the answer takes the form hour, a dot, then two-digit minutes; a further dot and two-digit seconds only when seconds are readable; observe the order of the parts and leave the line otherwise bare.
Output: 1.56
